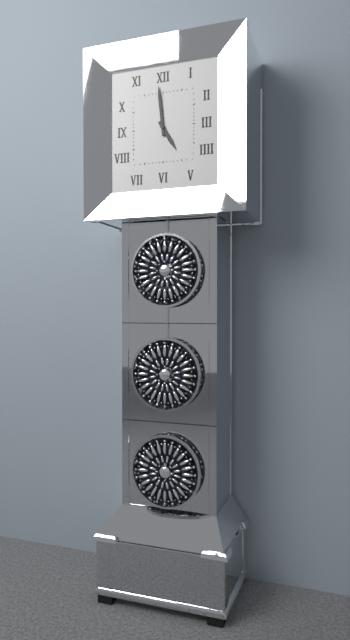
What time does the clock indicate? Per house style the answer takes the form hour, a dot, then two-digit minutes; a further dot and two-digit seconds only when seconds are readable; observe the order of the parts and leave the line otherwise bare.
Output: 4.59
